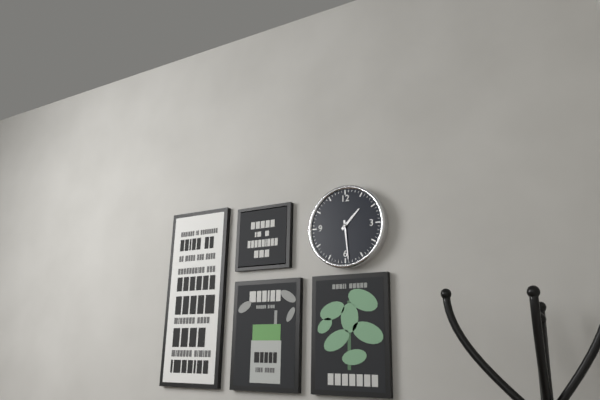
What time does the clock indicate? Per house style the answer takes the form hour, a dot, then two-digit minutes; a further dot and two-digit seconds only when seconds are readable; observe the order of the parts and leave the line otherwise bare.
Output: 1.29
